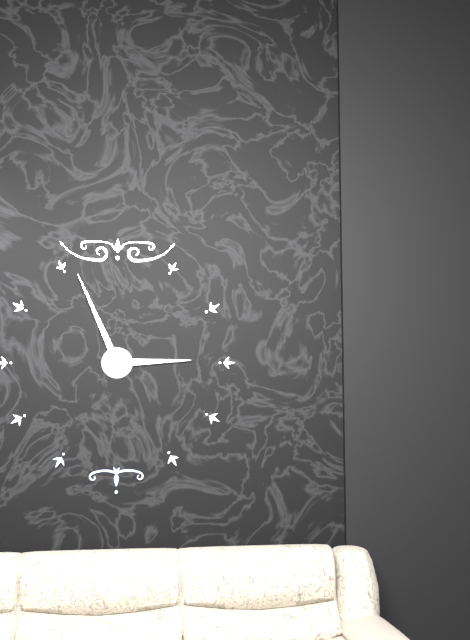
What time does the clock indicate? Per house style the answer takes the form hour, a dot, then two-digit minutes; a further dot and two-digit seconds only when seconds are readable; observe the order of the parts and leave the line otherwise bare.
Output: 2.56
